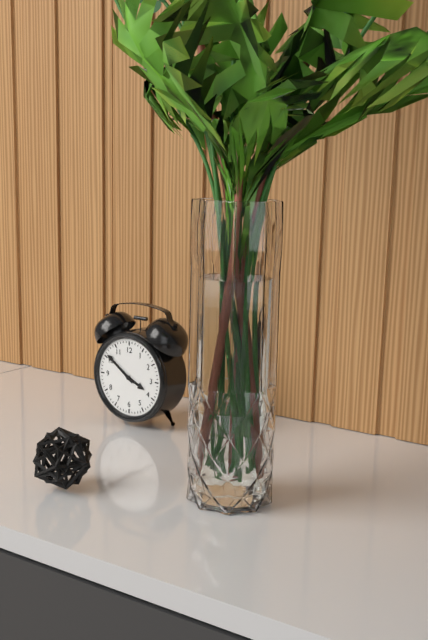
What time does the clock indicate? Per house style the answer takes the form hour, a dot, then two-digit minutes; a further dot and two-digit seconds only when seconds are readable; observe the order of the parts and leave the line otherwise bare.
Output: 3.51
